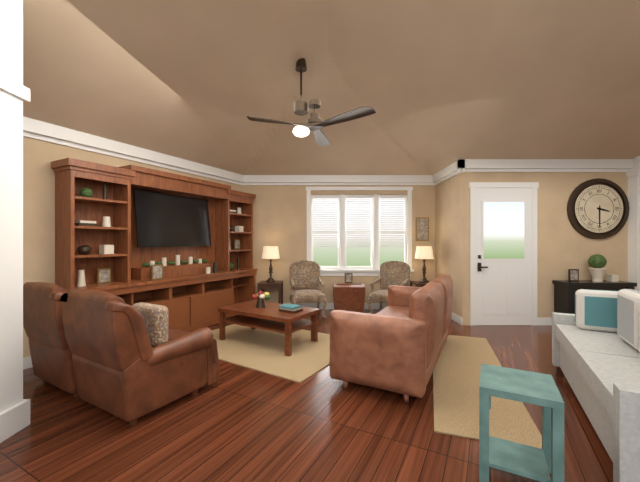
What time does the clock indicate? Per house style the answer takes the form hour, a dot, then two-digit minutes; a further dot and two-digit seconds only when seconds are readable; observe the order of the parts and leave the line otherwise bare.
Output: 3.30
